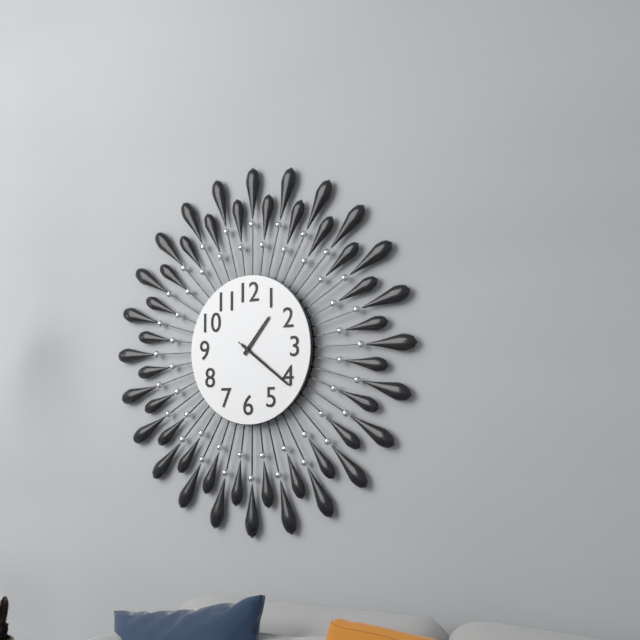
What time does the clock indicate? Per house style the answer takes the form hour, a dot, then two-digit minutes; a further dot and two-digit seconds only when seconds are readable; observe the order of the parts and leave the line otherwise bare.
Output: 1.21.21
